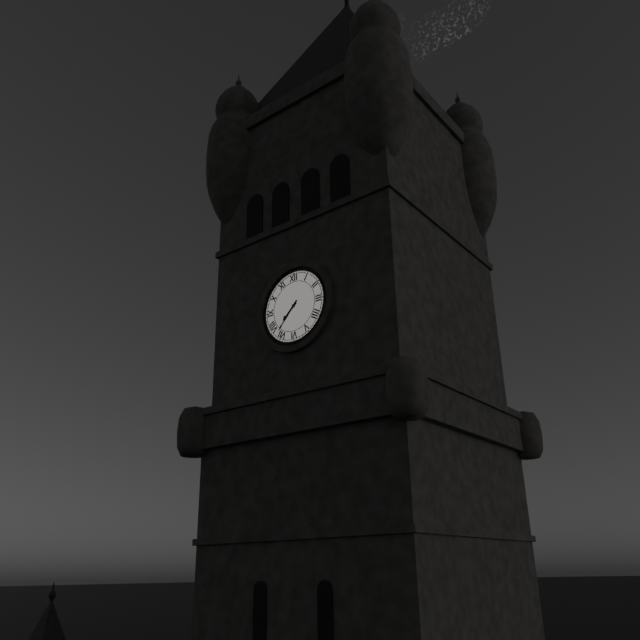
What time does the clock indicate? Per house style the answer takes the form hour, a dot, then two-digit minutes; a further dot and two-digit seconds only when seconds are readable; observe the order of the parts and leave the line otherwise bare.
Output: 7.37
